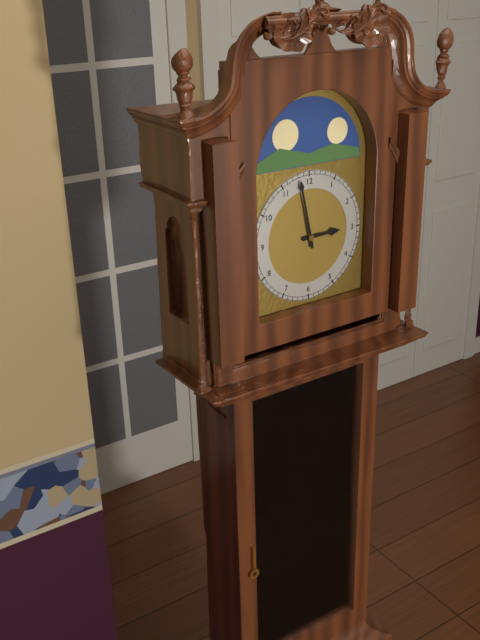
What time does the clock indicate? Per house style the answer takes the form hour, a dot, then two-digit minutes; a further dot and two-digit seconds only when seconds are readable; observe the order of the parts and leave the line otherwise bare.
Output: 2.58
